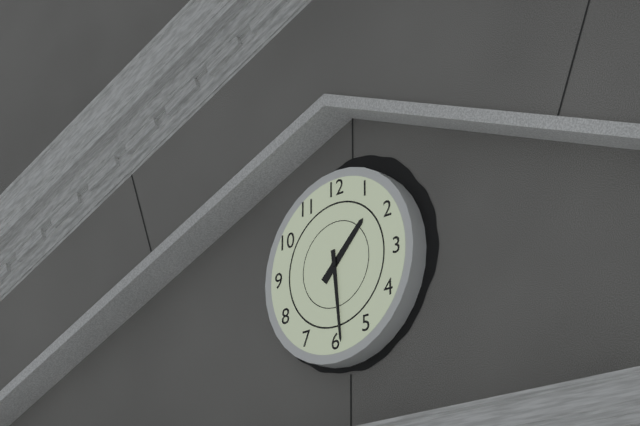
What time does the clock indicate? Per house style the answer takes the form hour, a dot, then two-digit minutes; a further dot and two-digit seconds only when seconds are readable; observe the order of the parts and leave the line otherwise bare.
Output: 1.29
